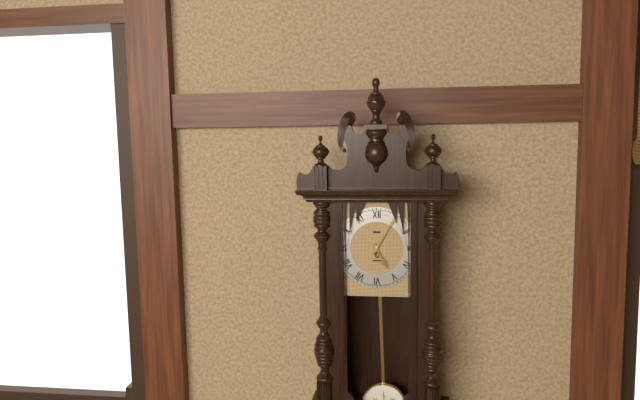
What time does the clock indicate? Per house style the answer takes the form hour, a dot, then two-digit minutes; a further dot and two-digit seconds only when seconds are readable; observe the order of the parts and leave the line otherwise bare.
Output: 5.05
